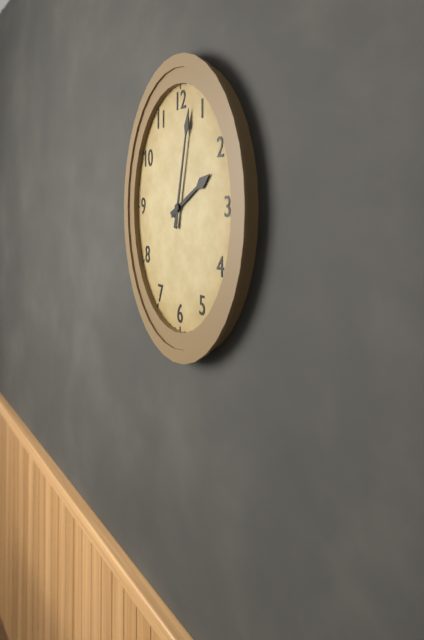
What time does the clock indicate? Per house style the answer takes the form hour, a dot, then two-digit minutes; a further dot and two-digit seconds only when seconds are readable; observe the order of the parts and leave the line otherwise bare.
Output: 2.02
